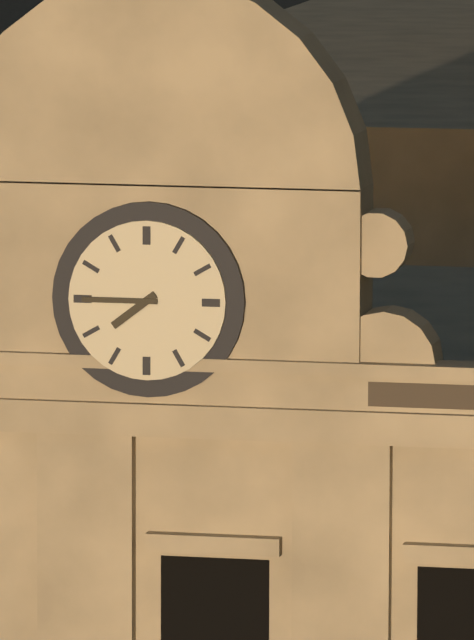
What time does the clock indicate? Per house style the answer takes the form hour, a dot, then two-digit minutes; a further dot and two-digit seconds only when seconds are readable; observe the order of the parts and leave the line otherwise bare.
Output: 7.45
